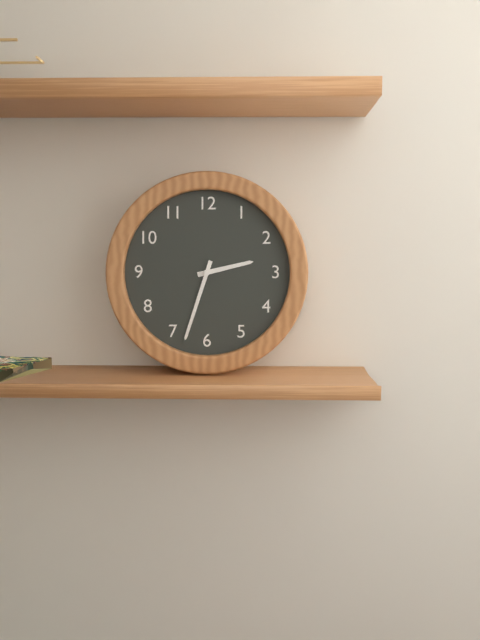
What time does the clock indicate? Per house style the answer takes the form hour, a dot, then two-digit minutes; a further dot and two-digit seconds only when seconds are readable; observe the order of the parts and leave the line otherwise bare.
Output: 2.33
